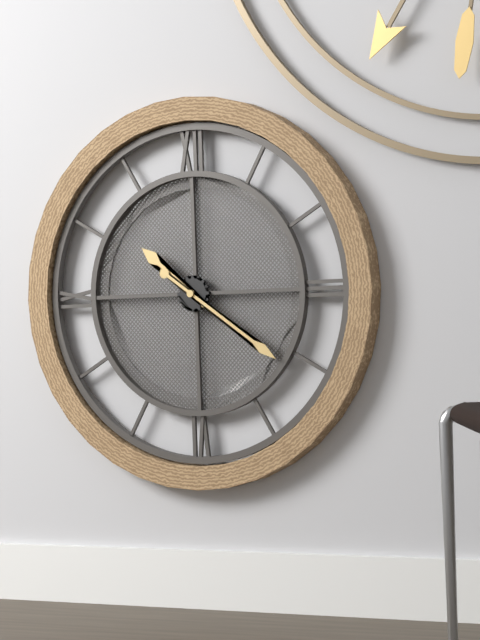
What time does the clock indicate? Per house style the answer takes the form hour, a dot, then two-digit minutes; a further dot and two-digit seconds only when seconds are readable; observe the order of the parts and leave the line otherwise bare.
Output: 10.21
